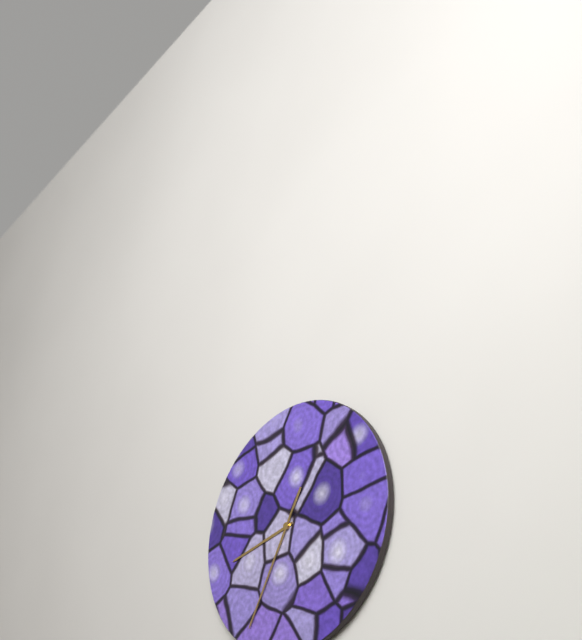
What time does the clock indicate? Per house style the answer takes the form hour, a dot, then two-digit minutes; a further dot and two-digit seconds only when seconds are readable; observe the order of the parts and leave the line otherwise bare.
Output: 8.35
